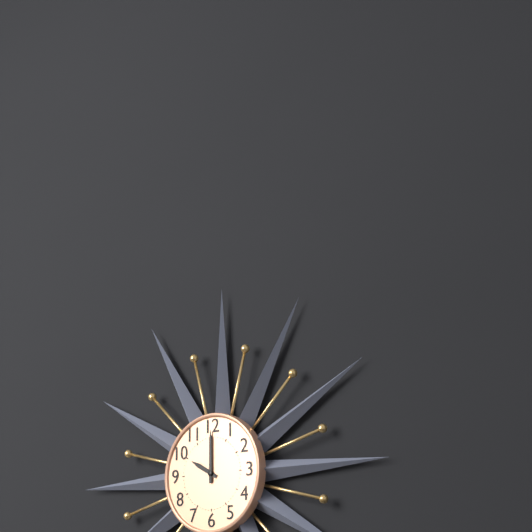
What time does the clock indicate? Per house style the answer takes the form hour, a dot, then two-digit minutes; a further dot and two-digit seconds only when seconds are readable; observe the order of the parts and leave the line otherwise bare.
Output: 10.00
